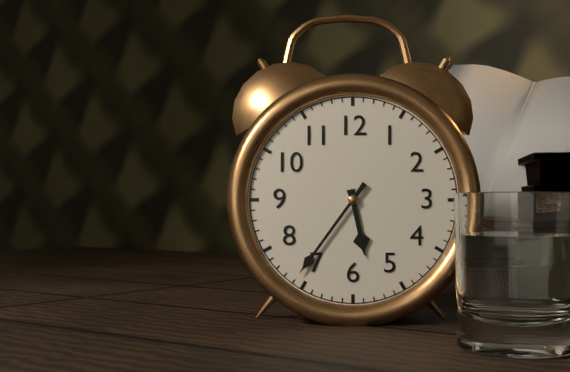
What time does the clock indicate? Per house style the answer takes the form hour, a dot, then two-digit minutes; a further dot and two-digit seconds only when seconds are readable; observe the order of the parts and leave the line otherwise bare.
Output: 5.36
